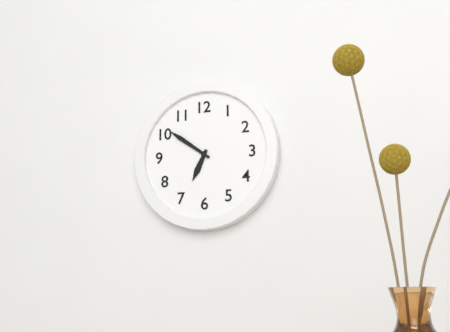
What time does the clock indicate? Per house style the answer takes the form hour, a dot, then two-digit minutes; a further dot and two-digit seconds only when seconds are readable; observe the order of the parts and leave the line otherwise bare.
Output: 6.51
